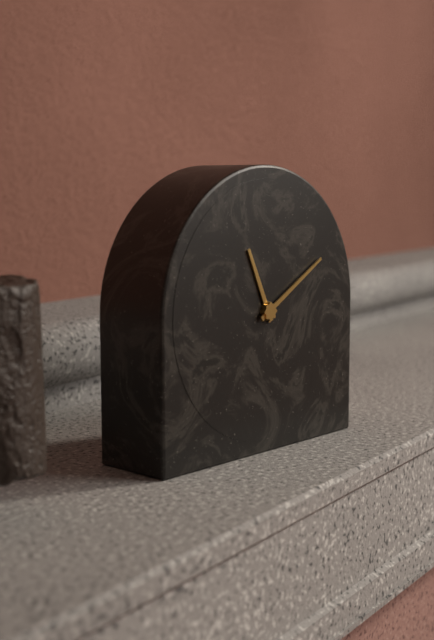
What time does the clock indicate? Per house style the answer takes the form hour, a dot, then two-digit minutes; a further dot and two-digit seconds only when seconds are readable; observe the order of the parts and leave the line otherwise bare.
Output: 11.10
